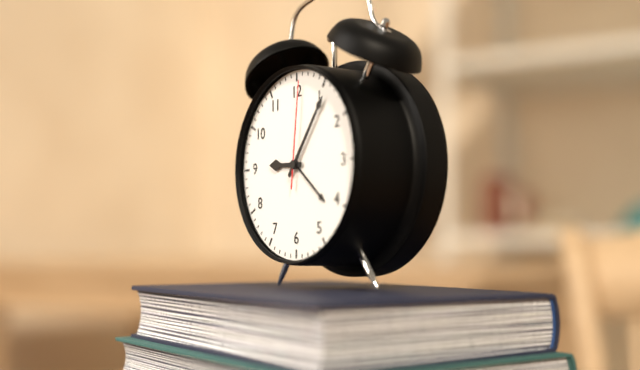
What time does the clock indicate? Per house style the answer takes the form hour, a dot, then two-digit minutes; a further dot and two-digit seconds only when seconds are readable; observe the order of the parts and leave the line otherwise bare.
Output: 9.06.01
